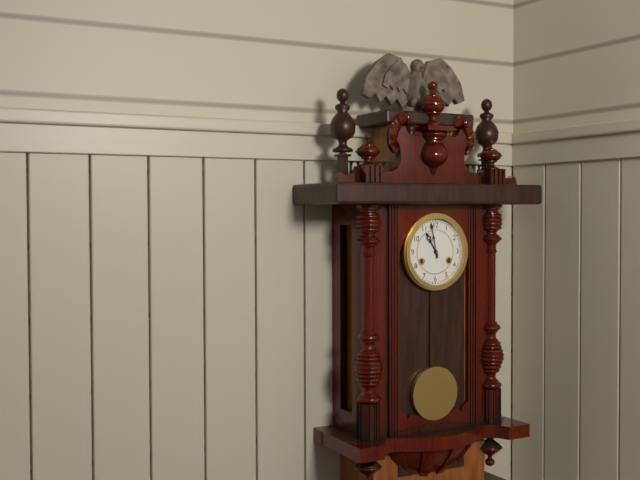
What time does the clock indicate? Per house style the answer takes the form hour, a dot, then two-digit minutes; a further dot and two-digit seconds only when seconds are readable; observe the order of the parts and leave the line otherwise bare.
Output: 10.58
